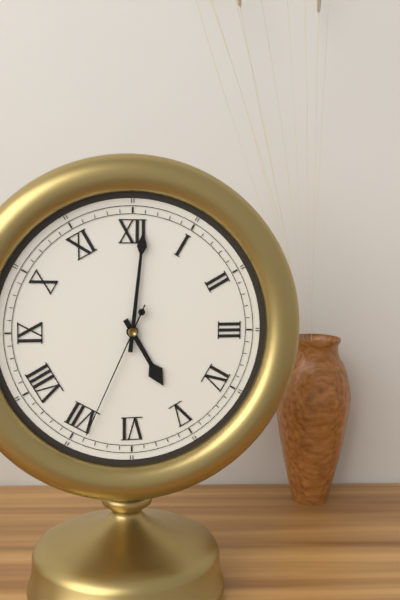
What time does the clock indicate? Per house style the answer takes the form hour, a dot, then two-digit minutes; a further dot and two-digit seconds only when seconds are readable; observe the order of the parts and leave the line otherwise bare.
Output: 5.01.34
